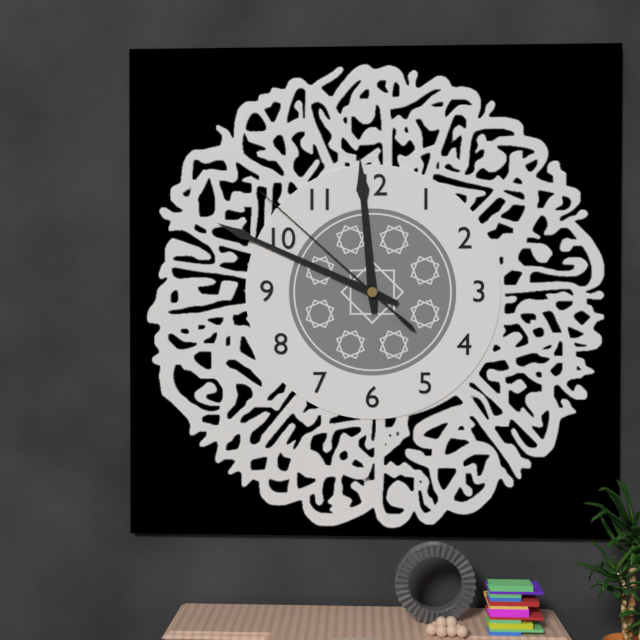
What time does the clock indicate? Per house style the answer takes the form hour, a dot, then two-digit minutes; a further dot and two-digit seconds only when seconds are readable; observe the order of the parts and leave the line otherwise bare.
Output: 11.49.52
